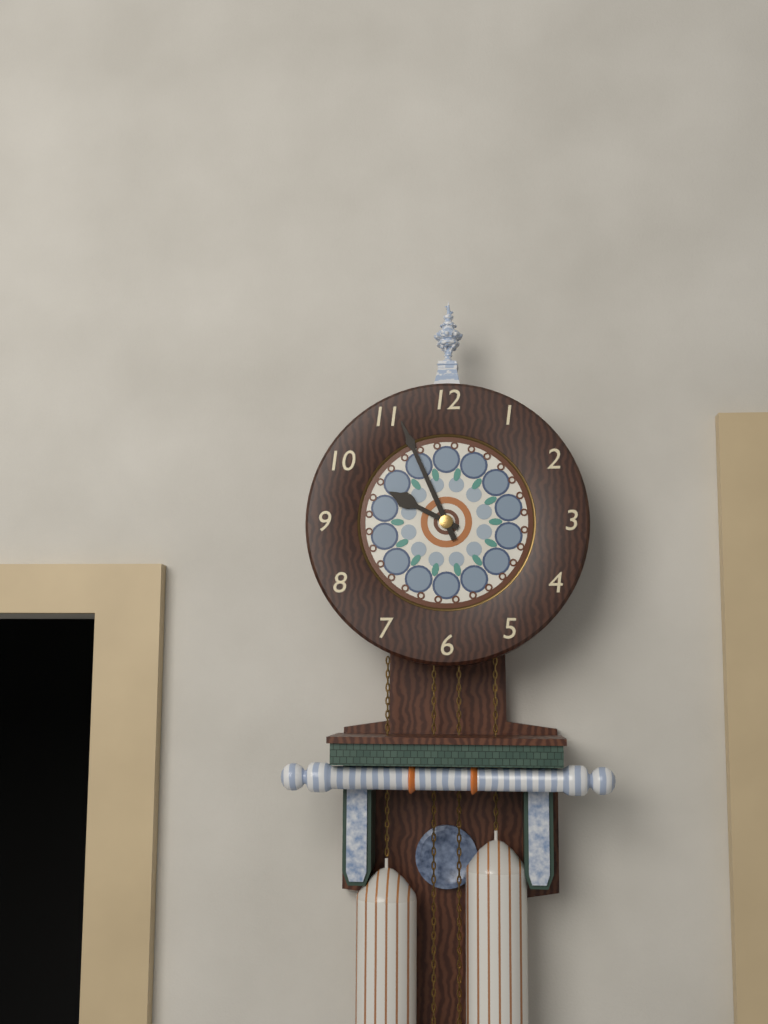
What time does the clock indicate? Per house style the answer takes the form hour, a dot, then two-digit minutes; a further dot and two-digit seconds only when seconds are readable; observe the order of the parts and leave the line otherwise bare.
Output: 9.56
